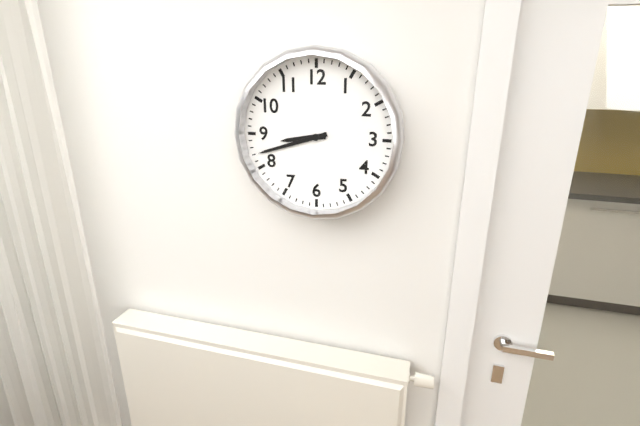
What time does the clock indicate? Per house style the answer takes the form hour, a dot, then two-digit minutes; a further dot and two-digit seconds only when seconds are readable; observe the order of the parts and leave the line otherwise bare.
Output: 8.42
